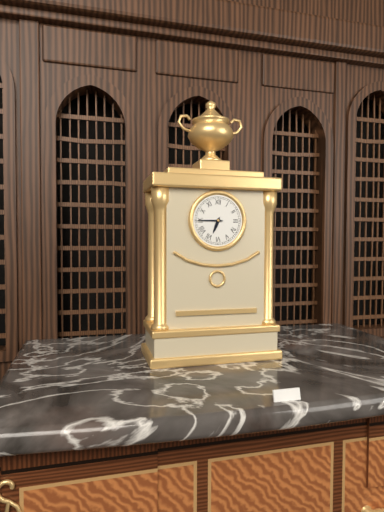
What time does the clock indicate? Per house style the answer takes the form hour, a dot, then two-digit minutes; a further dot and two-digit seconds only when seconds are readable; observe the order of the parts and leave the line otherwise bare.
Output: 6.45
